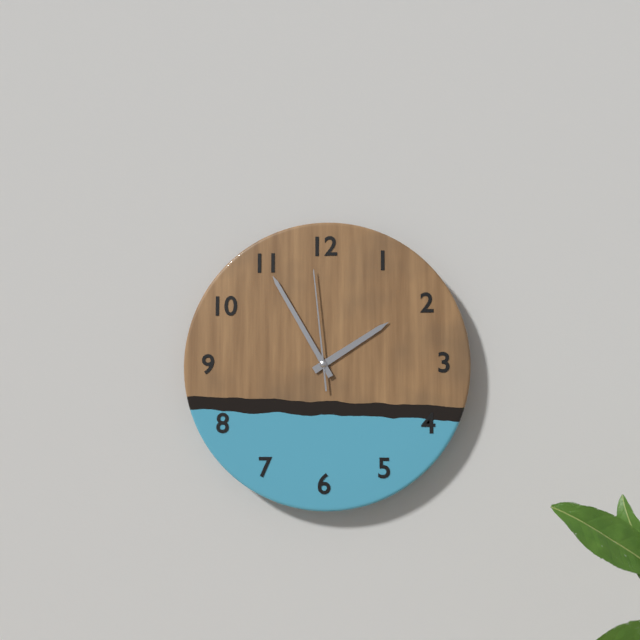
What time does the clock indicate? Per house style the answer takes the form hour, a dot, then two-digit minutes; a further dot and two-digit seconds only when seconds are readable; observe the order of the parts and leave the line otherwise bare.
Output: 1.55.59
